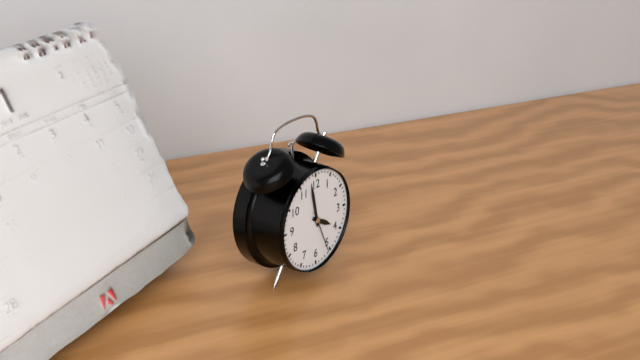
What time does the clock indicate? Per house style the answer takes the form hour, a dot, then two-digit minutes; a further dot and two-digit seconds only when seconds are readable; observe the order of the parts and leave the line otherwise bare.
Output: 3.58
